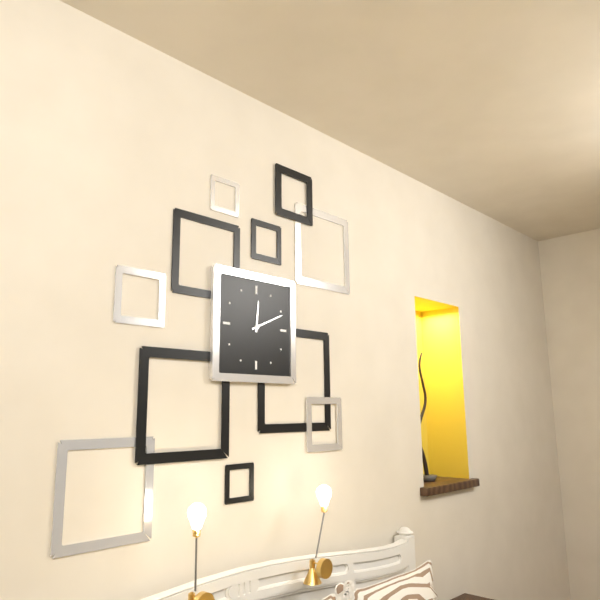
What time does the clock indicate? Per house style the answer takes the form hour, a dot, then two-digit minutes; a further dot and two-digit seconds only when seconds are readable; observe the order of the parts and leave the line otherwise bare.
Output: 12.11
